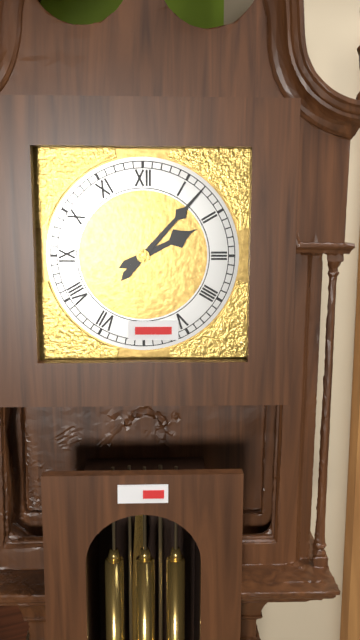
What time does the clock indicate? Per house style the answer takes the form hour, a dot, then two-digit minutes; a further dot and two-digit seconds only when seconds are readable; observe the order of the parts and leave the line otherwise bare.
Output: 2.07
